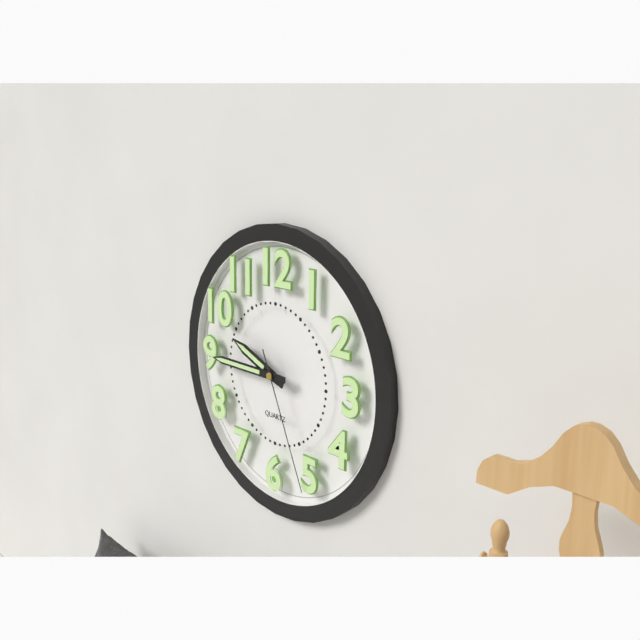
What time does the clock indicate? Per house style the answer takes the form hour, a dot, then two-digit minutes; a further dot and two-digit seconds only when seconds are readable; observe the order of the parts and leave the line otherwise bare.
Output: 9.45.26
